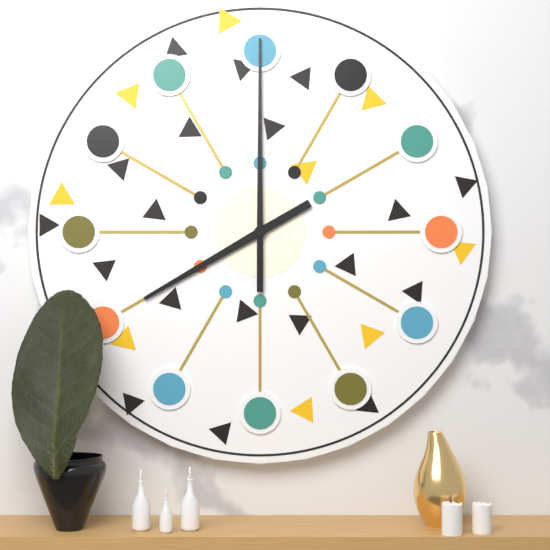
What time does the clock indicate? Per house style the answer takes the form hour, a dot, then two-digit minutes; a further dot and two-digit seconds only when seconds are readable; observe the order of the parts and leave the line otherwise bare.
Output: 8.00
